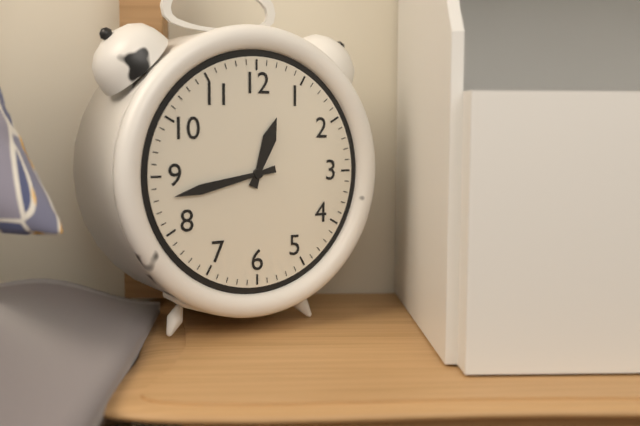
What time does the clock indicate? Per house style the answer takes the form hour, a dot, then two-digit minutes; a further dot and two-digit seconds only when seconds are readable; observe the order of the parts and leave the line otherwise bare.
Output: 12.43
